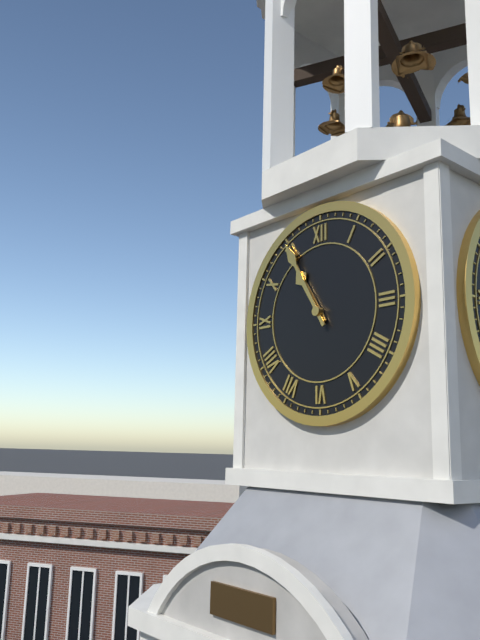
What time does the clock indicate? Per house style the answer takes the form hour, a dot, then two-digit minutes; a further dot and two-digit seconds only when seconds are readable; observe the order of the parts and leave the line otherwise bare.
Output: 10.55
